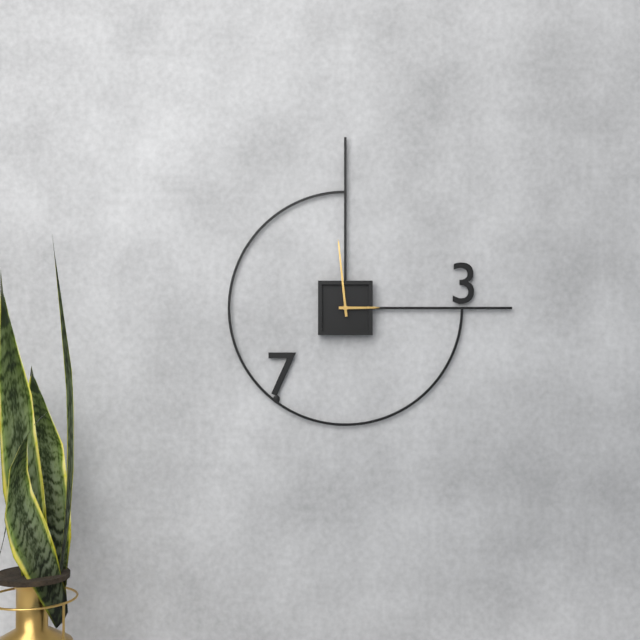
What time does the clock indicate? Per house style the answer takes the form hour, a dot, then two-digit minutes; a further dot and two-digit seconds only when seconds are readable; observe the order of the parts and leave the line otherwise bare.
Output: 2.59
